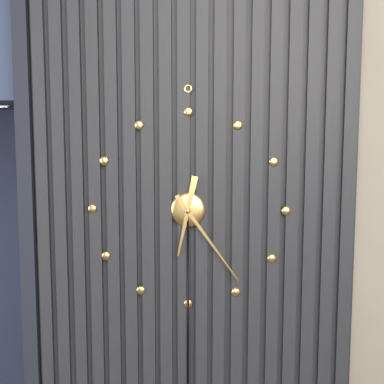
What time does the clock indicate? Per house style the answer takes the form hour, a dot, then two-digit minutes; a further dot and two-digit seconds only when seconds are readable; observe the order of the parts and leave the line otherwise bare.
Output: 6.24
